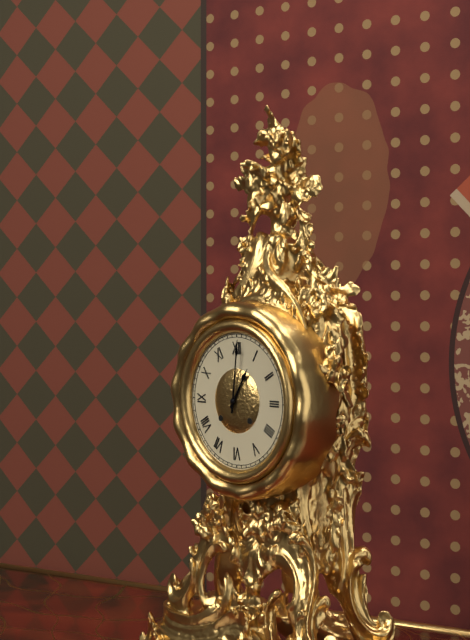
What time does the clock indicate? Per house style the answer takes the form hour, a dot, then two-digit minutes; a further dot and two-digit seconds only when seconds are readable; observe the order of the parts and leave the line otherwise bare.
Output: 1.01
